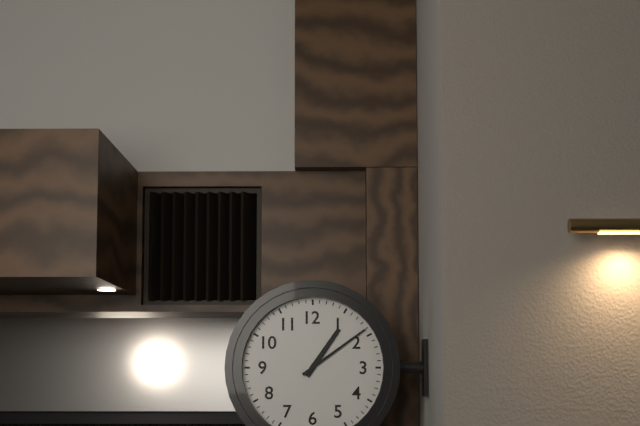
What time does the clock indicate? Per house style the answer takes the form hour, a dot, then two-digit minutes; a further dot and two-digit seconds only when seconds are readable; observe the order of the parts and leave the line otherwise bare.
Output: 1.09
